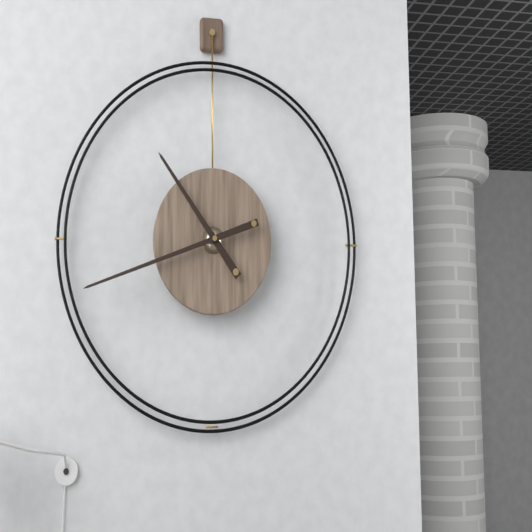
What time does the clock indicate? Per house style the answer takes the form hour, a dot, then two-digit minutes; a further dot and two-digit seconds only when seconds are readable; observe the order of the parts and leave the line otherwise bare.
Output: 10.42
